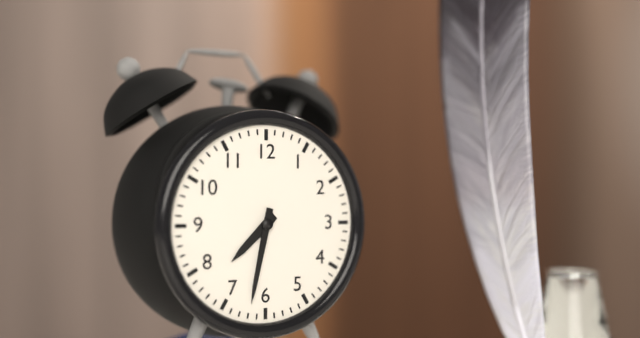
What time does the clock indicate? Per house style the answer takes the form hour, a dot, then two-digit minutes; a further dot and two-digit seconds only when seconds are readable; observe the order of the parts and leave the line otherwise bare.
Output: 7.32
